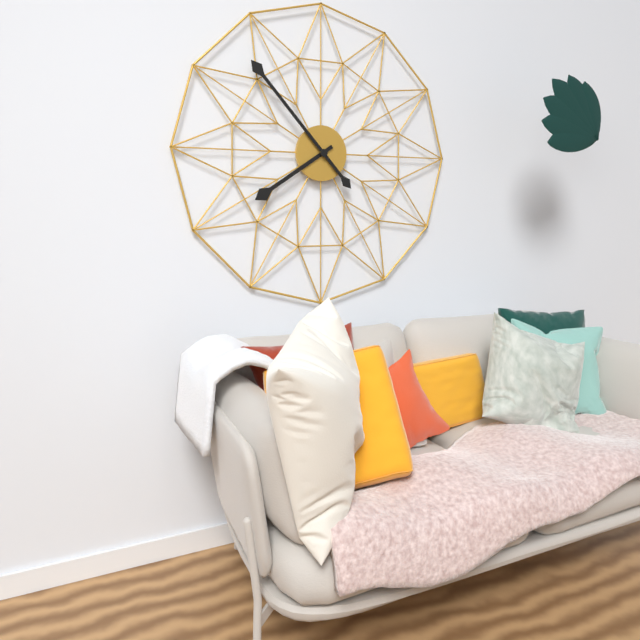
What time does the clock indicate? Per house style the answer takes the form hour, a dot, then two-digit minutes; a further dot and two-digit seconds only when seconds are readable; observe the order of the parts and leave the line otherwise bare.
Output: 7.53
